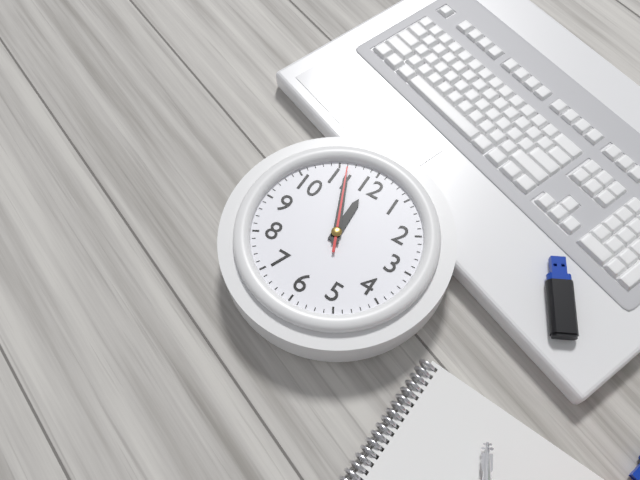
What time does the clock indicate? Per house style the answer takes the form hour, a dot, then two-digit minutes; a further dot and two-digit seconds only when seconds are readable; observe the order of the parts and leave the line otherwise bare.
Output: 11.56.56
